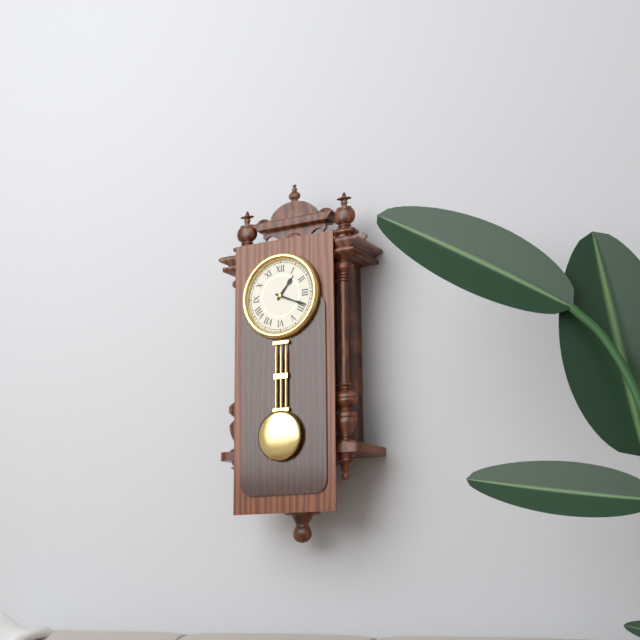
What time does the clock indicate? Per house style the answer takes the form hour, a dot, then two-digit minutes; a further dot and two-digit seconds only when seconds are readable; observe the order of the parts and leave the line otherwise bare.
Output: 1.19
